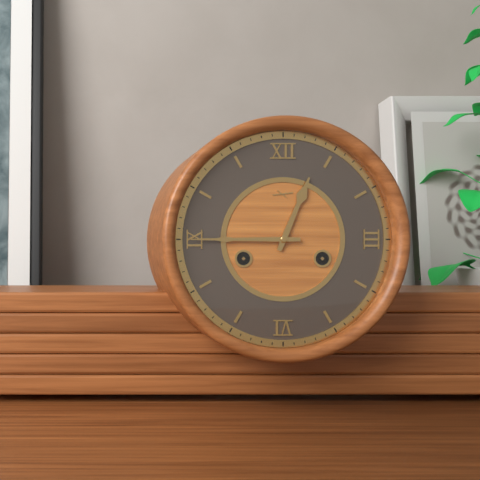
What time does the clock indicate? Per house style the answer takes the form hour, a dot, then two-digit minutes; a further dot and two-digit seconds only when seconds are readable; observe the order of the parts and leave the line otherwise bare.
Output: 12.45
